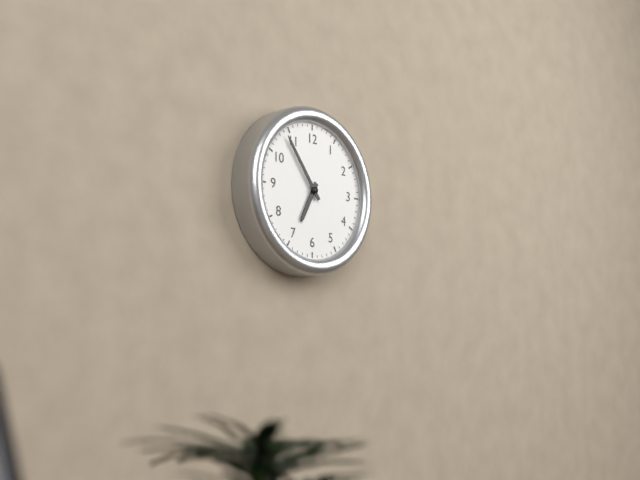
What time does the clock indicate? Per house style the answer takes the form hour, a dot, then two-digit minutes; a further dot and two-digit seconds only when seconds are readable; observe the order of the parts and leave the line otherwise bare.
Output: 6.54
